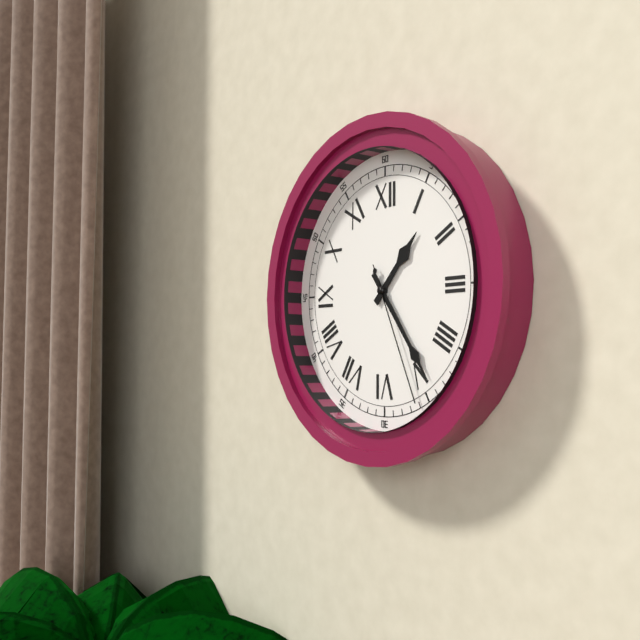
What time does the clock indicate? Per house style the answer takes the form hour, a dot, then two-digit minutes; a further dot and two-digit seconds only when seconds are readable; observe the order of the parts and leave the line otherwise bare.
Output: 1.24.26
